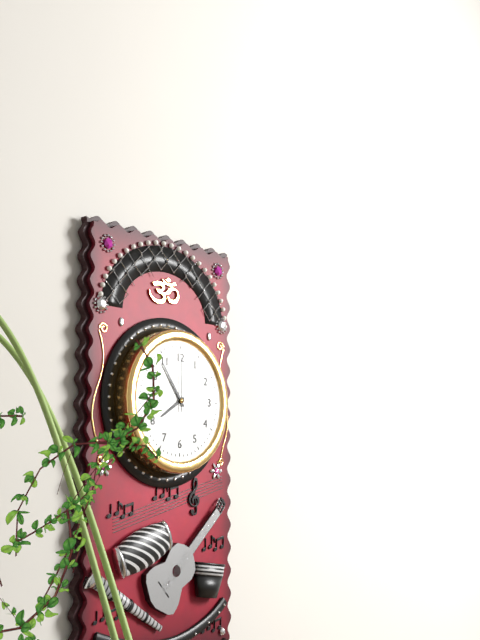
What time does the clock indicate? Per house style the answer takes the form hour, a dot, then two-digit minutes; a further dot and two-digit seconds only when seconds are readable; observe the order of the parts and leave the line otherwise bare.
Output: 7.54.00
